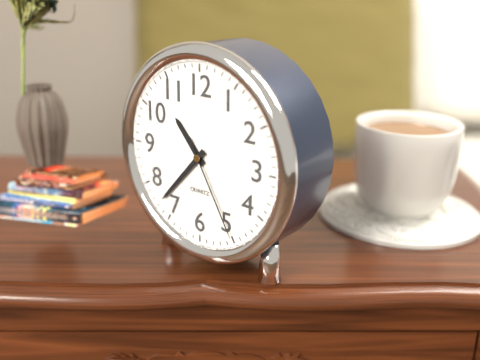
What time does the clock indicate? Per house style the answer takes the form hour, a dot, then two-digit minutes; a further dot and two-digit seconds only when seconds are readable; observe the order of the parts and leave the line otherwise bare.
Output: 10.37.25
